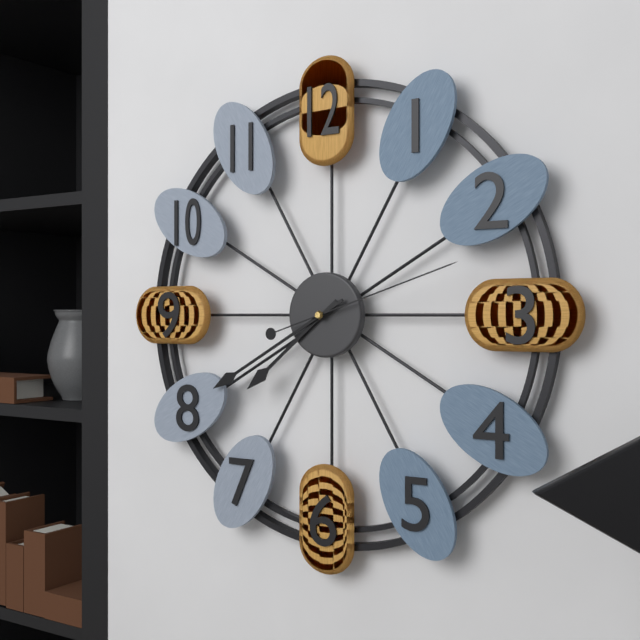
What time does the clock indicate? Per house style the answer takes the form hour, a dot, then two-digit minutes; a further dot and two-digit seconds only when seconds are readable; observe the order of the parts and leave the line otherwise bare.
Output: 7.40.12
